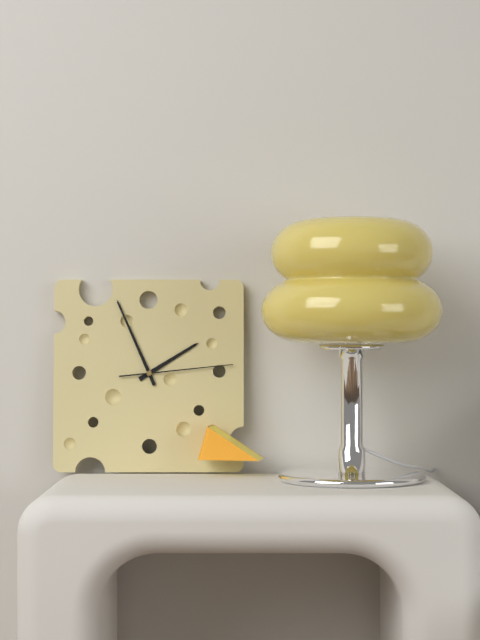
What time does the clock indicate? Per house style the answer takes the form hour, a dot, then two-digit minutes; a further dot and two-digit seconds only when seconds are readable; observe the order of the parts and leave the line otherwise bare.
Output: 1.56.14
